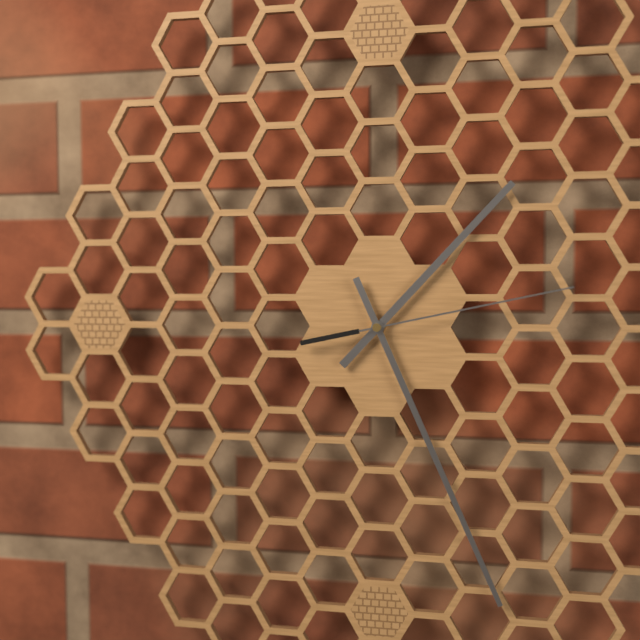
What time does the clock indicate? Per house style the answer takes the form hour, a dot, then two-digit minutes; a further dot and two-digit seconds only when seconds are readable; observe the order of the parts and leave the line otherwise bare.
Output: 1.26.13
